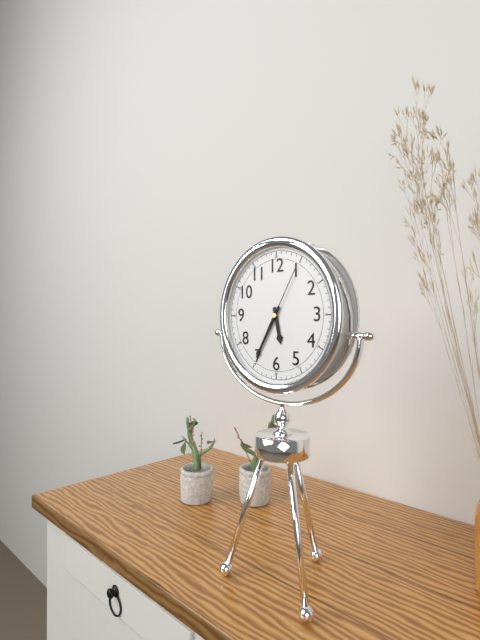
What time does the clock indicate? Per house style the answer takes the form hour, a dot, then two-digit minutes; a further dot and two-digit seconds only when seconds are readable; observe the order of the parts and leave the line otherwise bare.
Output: 5.35.05
